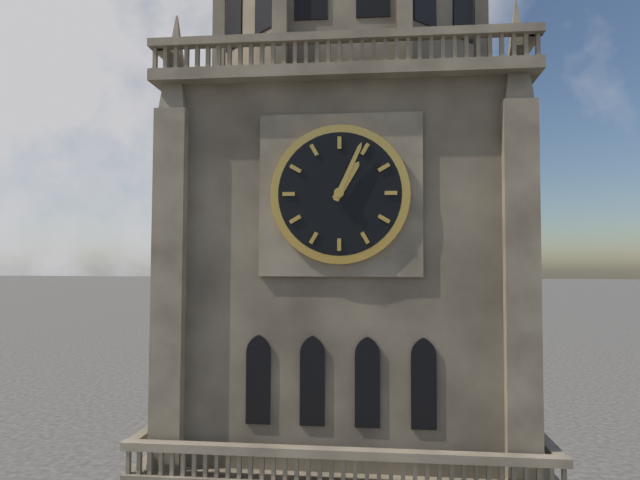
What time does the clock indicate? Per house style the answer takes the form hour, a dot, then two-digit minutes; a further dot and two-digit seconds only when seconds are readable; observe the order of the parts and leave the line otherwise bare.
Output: 1.04
